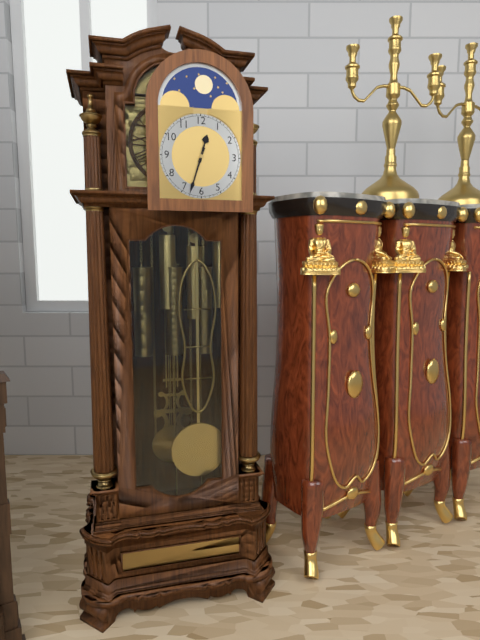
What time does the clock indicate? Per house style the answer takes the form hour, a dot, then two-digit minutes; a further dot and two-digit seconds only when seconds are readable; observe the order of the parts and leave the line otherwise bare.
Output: 12.33
